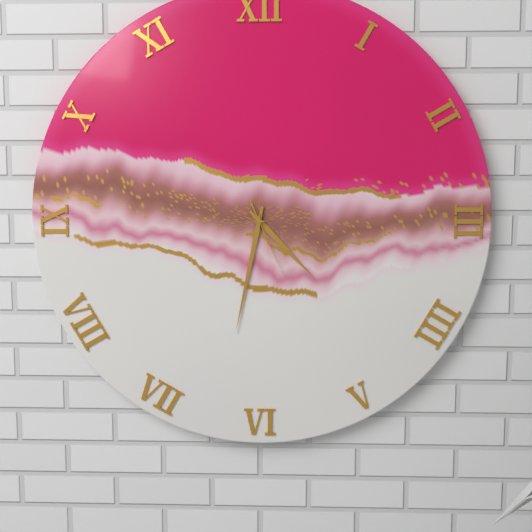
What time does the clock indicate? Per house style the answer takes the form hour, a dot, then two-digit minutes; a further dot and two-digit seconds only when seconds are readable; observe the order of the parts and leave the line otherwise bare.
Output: 4.32.26
